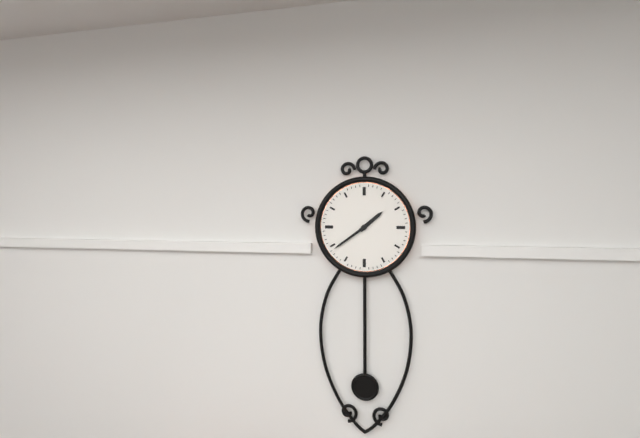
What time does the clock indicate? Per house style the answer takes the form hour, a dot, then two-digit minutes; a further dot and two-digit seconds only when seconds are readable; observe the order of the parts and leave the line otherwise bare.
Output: 1.39
